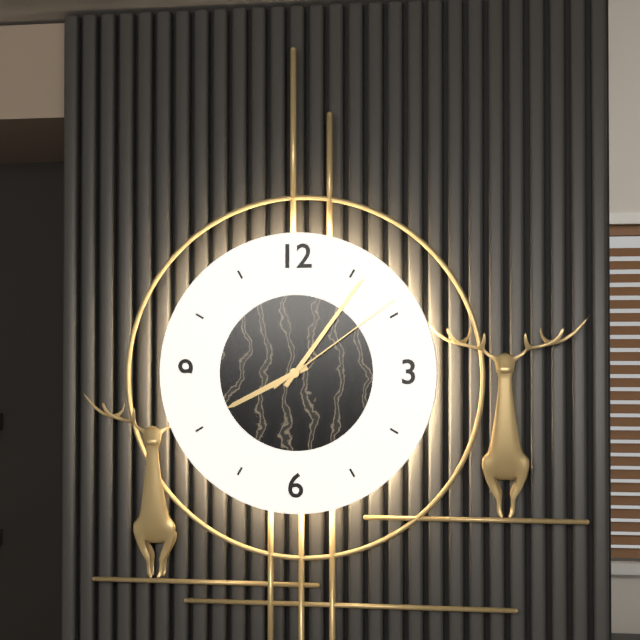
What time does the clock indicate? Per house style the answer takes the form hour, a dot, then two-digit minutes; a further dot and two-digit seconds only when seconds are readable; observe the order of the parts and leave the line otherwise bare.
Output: 8.06.09
